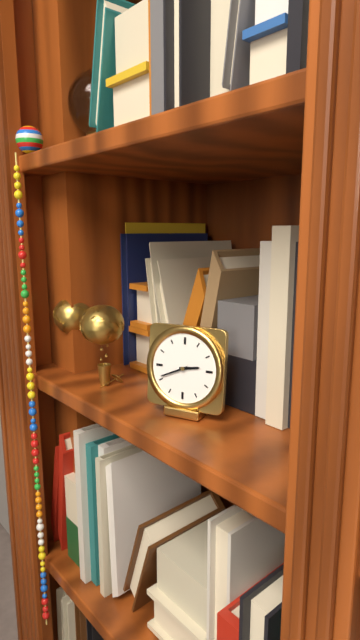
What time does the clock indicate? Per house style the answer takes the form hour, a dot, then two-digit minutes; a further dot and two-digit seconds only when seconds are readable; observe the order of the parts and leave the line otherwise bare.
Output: 2.41
